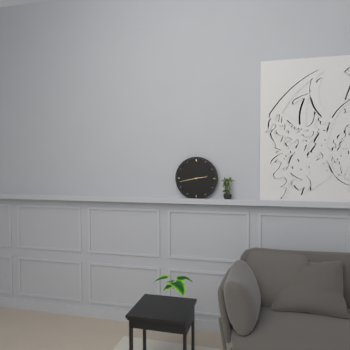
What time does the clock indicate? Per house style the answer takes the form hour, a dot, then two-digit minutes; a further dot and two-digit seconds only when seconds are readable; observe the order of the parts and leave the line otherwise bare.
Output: 2.43
